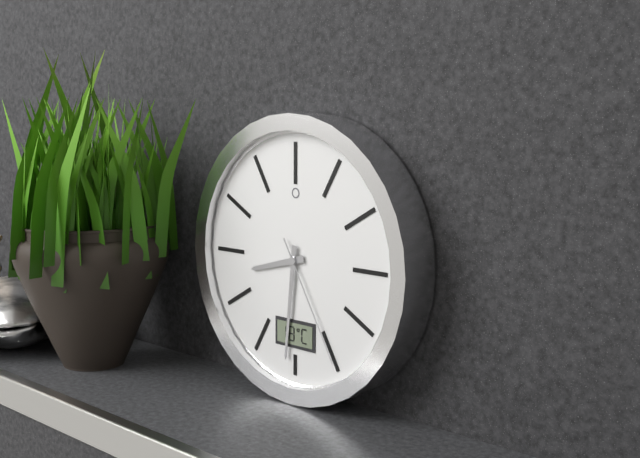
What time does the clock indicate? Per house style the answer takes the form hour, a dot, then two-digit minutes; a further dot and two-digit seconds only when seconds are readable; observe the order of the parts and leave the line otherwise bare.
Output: 8.31.25
